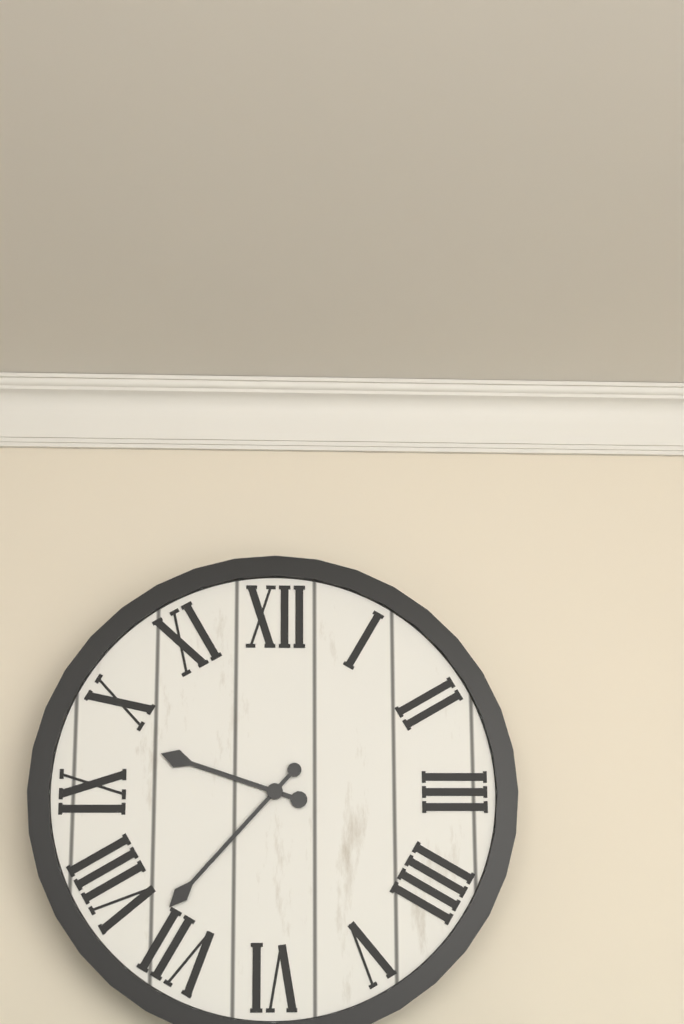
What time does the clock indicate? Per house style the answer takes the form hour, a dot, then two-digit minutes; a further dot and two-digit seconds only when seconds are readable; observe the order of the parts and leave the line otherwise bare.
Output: 9.37
